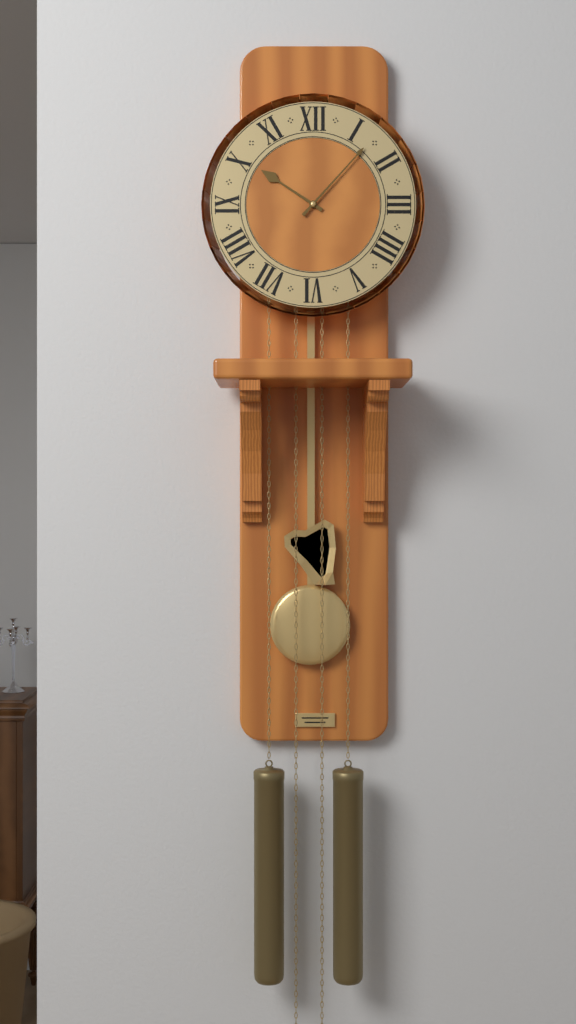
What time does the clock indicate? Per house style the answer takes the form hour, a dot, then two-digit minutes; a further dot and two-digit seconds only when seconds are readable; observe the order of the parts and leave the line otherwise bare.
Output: 10.07
